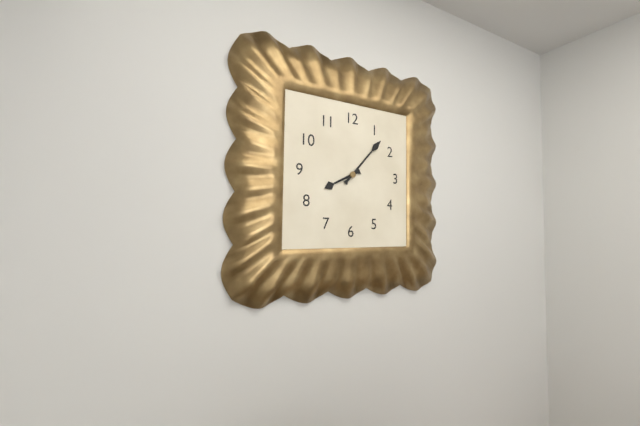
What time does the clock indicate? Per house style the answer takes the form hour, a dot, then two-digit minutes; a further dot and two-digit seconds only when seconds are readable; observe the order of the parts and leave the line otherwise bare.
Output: 8.07
